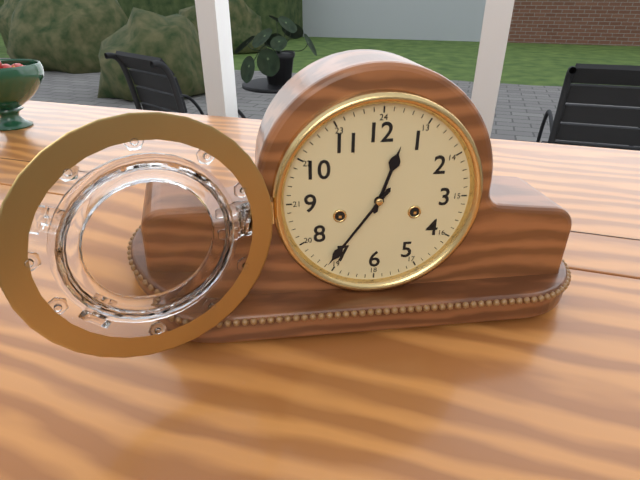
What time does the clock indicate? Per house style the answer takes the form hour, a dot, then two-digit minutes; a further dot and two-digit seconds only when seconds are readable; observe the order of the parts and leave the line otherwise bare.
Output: 12.36
